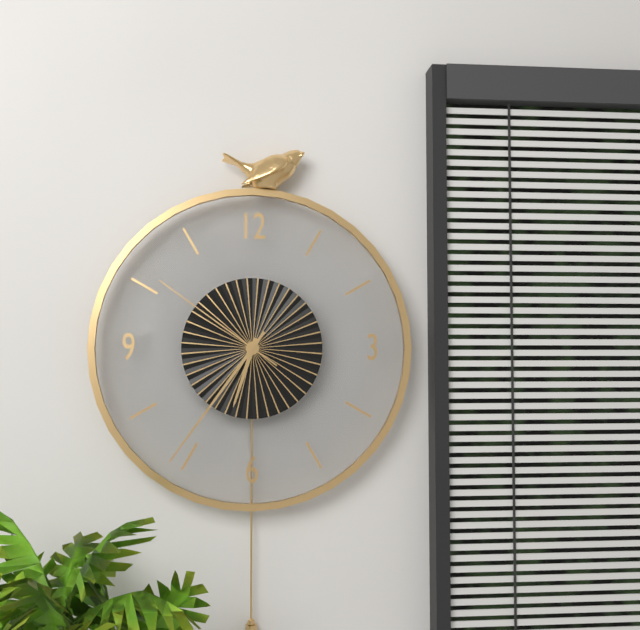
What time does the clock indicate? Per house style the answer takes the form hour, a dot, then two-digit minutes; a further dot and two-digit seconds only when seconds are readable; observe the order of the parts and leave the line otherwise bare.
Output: 6.36.51
